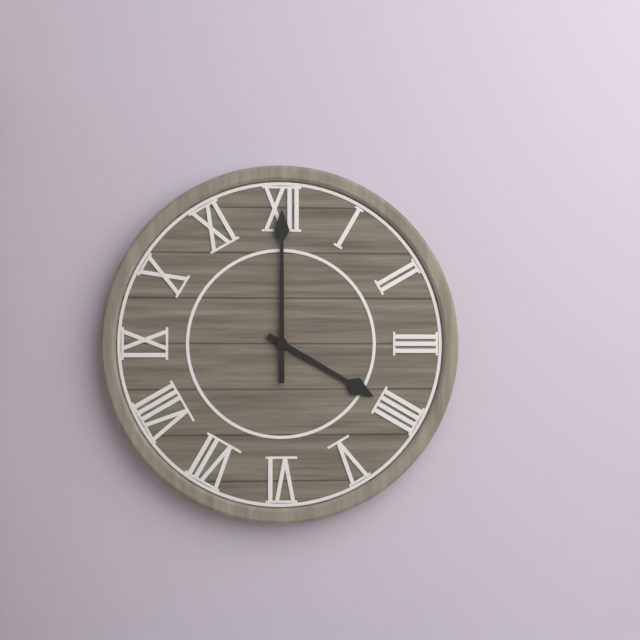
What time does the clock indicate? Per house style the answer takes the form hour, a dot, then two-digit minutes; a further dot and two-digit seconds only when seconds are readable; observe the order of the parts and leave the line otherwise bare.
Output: 4.00
